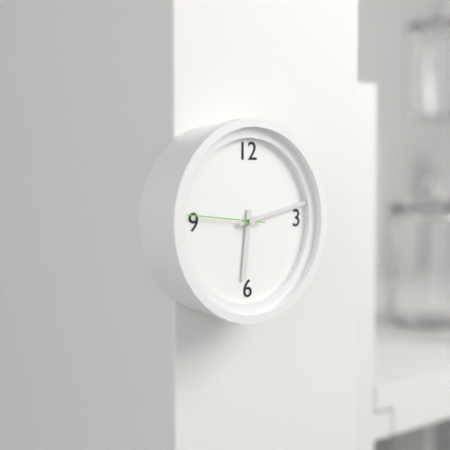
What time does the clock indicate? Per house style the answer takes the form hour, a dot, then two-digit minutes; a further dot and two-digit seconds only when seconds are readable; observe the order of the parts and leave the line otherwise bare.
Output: 6.13.46
